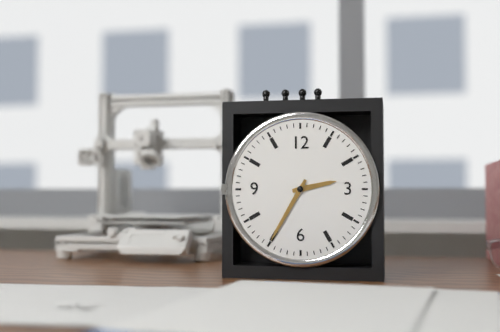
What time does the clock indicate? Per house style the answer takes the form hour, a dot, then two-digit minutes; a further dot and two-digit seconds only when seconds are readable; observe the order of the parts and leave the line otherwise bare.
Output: 2.35
